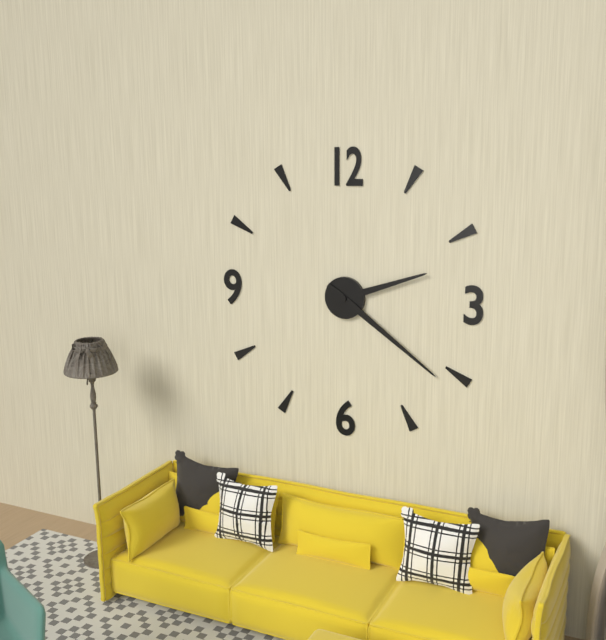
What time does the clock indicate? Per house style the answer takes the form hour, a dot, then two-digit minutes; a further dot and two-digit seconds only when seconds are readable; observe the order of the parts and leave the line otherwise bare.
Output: 2.21
